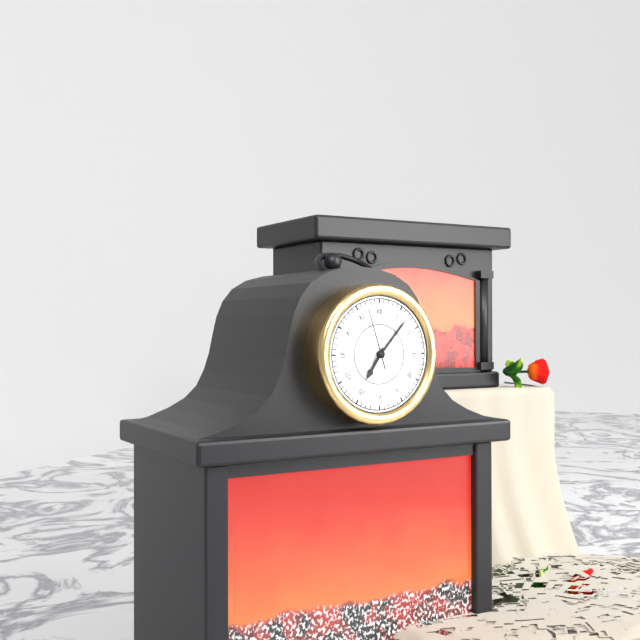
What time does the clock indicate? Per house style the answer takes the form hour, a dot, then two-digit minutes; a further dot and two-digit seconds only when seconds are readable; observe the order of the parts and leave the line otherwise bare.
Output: 7.07.57
